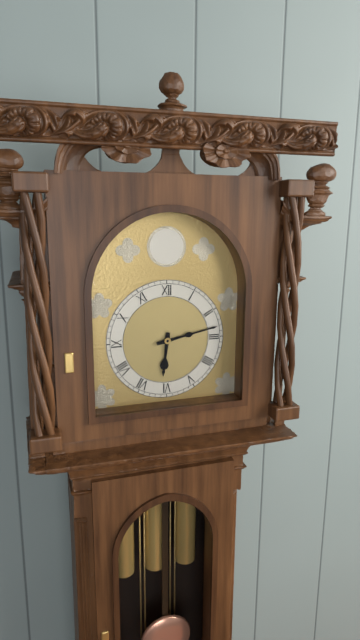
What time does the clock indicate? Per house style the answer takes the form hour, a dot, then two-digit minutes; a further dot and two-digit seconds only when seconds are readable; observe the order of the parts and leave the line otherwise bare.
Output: 6.13
